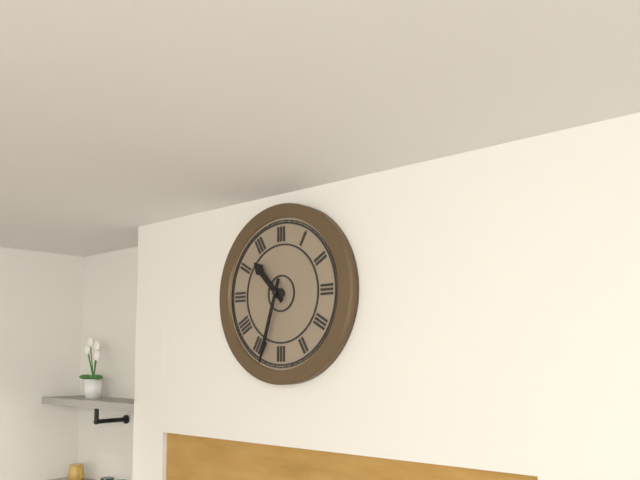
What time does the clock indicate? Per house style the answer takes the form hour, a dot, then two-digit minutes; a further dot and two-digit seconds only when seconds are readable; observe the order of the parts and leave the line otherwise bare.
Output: 10.33
